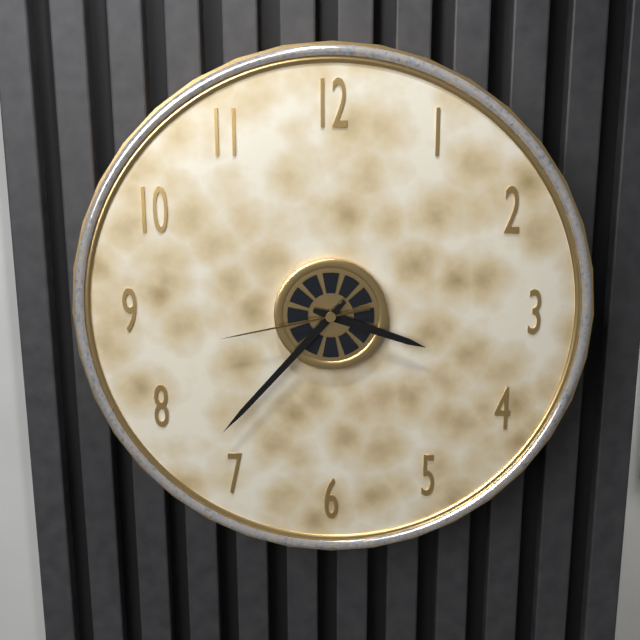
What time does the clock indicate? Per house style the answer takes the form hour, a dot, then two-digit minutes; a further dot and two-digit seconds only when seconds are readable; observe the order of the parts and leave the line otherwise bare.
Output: 3.37.43
